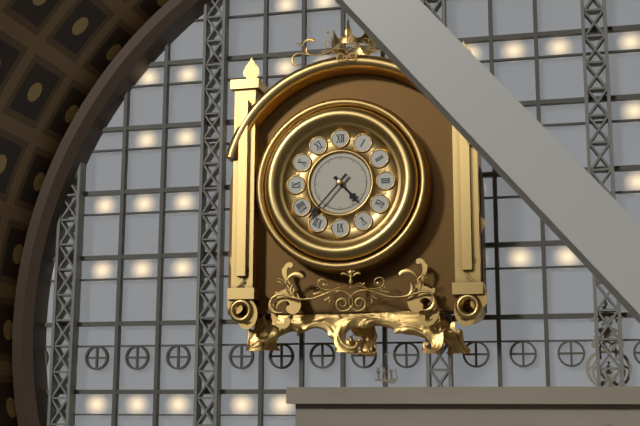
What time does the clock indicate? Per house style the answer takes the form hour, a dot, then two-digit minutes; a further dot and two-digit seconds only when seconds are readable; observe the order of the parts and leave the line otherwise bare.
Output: 4.37
